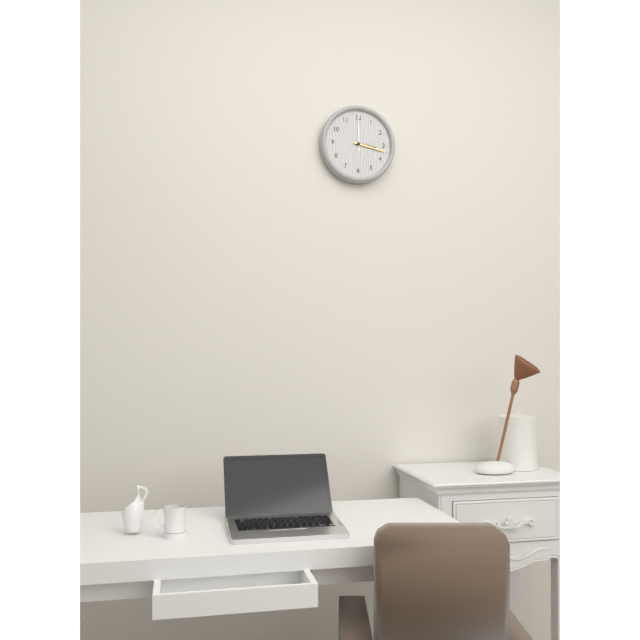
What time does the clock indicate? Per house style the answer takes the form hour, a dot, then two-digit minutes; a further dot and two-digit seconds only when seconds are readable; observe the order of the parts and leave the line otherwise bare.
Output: 3.17
